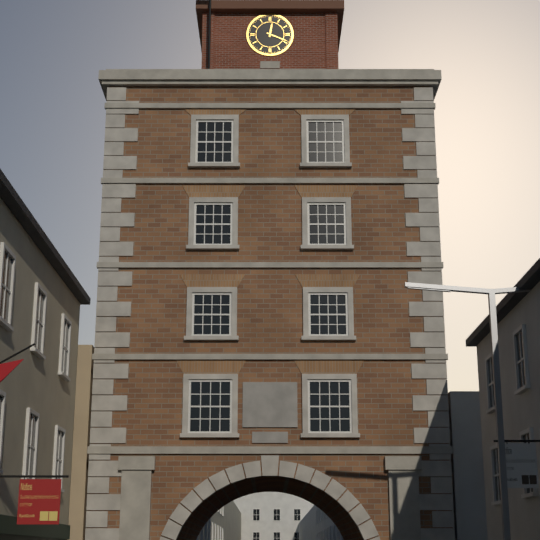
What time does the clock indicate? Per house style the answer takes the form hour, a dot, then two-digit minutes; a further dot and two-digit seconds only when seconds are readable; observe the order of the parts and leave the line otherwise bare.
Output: 12.19
